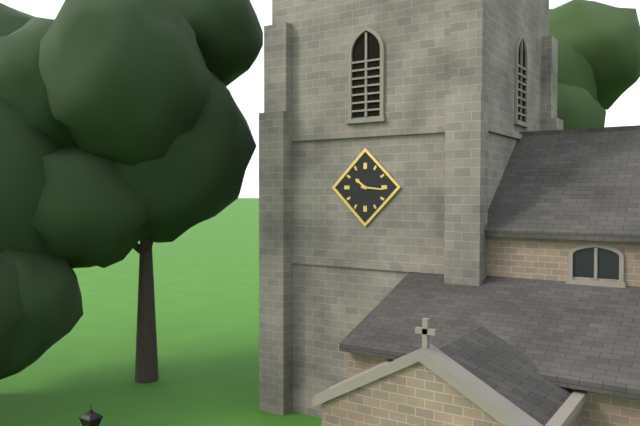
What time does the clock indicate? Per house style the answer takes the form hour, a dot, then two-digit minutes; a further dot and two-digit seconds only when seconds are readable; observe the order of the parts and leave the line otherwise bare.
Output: 10.16
